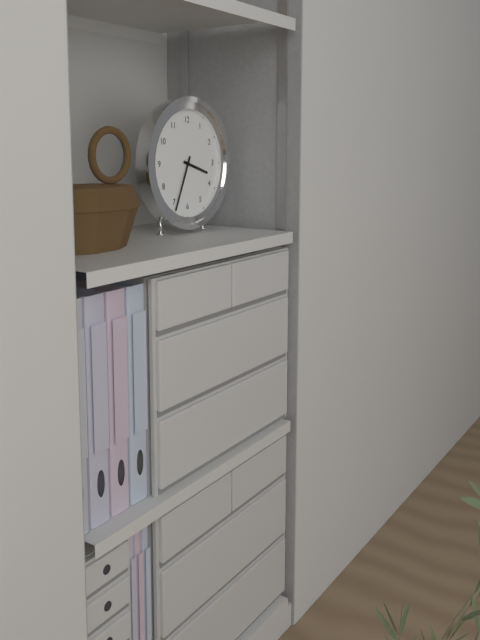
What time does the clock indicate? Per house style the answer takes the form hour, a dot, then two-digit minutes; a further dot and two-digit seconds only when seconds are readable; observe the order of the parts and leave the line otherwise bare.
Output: 3.34
